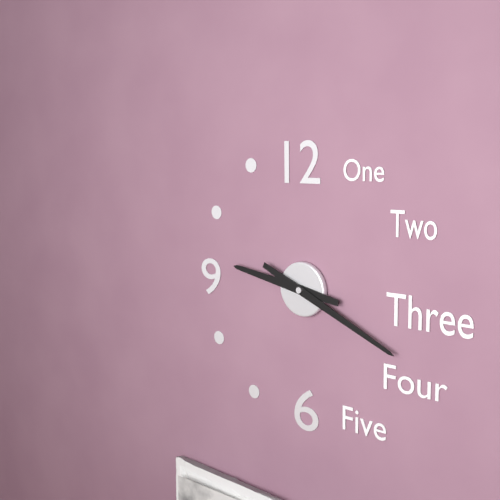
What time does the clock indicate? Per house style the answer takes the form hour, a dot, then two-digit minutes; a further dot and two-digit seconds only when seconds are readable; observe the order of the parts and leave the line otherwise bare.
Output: 9.19
